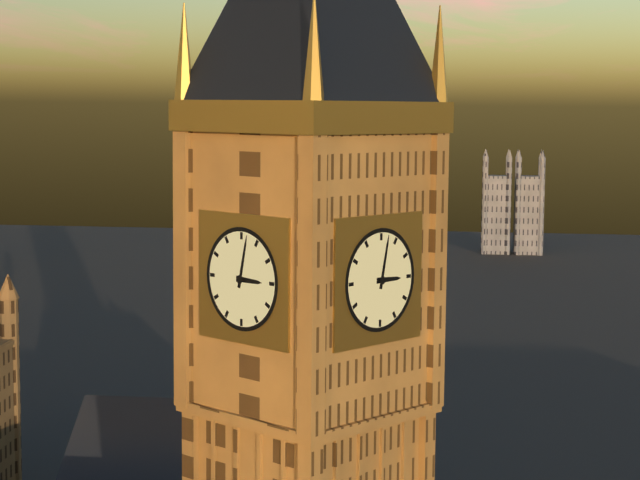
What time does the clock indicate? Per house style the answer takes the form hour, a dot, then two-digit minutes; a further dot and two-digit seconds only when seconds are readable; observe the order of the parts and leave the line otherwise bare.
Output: 3.02
